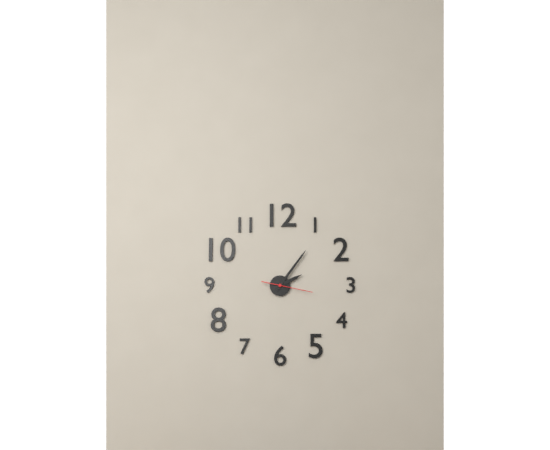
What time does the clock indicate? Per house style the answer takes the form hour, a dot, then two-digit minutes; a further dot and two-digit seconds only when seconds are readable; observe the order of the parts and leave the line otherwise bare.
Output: 2.06
